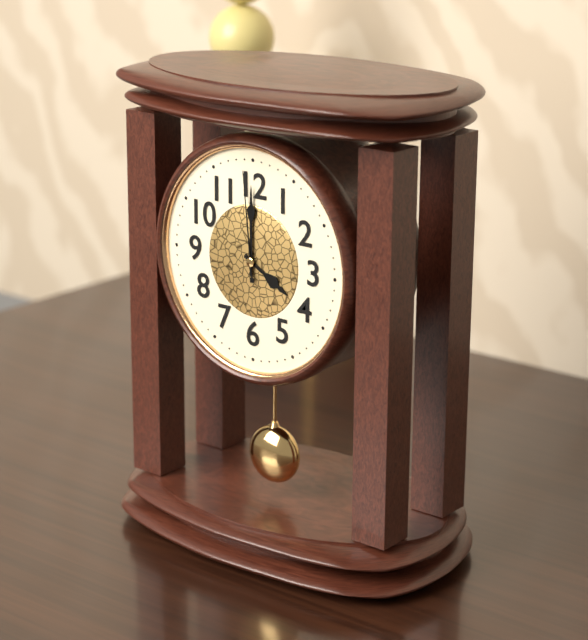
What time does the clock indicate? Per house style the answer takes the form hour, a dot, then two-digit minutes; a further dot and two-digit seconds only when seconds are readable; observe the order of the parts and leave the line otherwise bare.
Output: 4.00.59
